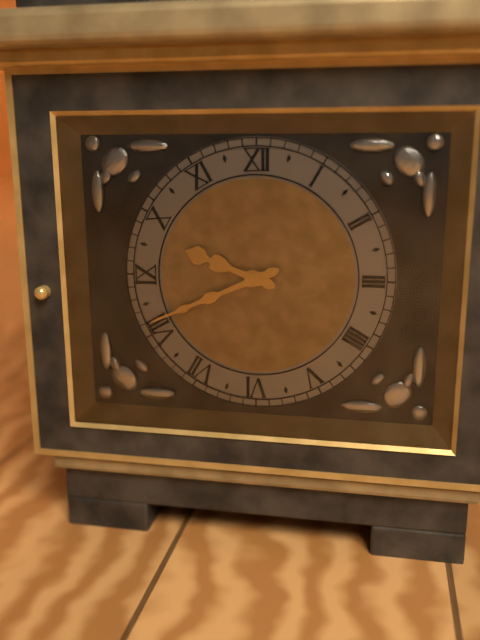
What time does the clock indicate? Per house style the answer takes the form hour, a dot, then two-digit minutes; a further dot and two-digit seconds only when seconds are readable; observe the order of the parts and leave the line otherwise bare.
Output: 9.41
